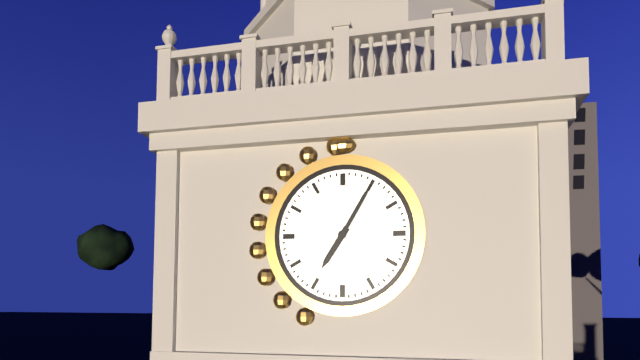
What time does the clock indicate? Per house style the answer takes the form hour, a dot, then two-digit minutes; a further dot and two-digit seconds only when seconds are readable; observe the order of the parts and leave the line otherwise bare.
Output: 7.05
